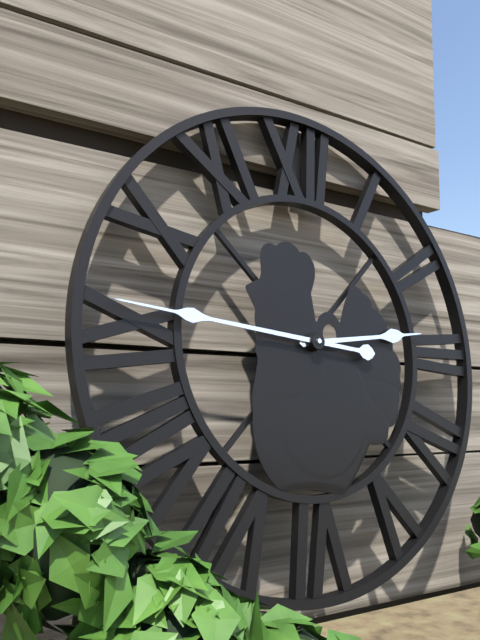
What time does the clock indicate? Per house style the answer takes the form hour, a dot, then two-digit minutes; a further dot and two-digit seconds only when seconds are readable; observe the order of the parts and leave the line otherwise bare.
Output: 2.46
